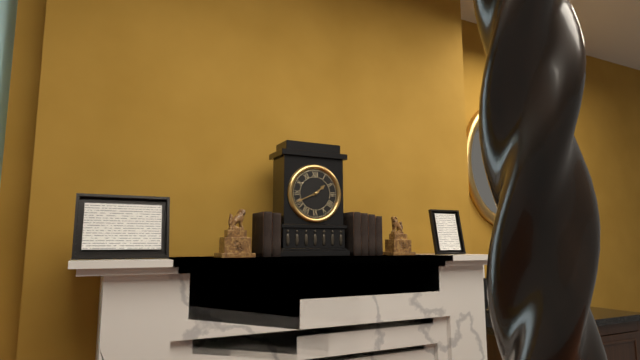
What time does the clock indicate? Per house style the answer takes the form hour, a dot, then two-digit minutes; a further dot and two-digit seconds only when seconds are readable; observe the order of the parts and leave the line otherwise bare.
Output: 1.41
